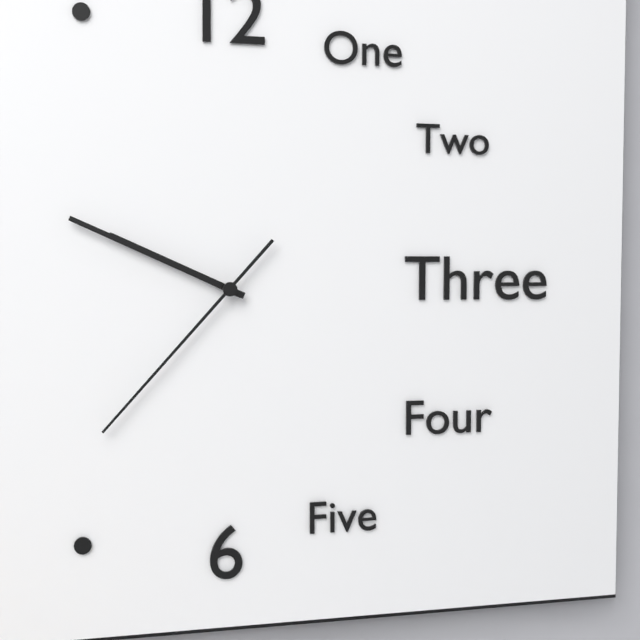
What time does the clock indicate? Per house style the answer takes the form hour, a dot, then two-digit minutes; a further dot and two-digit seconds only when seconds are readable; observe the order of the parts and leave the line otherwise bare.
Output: 9.49.37
